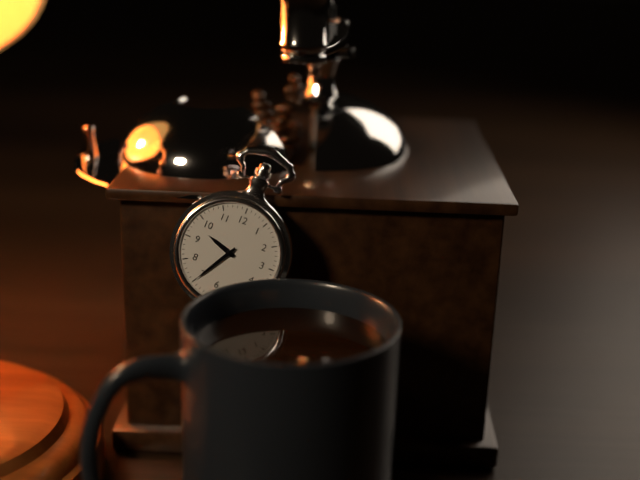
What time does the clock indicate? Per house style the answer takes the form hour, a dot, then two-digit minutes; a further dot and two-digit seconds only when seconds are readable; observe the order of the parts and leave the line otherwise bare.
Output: 9.35
